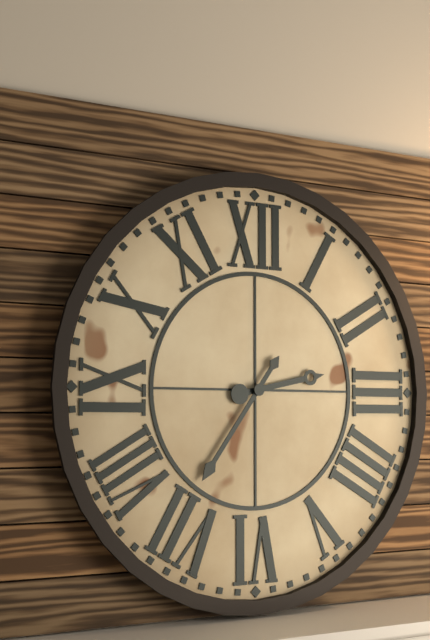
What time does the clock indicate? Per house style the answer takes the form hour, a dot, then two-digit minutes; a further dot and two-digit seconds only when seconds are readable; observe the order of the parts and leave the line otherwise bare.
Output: 2.36
